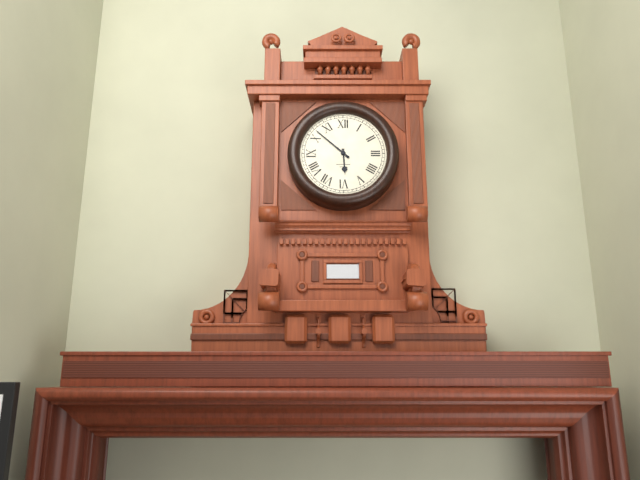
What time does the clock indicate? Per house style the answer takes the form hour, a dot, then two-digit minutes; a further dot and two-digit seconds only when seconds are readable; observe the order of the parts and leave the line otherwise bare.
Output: 5.52
